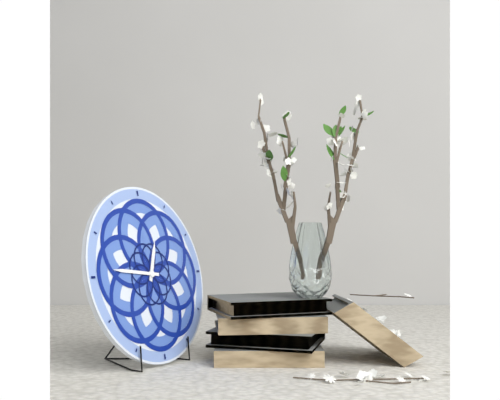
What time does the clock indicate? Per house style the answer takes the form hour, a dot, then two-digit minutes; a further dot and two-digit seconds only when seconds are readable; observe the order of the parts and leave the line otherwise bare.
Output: 12.46
